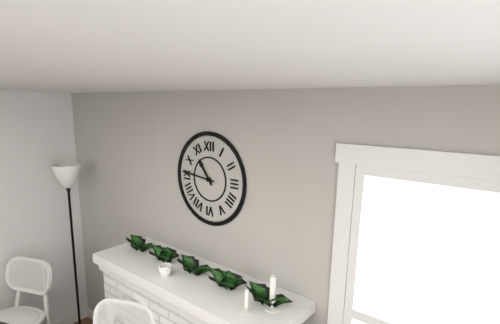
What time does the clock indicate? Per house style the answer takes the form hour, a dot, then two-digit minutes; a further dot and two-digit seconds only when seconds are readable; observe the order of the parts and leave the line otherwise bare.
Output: 10.46
